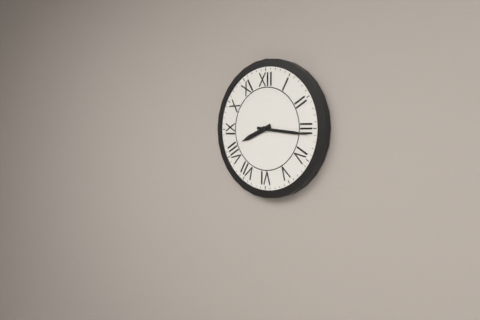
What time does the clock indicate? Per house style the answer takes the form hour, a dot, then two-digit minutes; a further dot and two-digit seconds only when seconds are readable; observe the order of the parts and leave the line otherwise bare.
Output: 8.16
